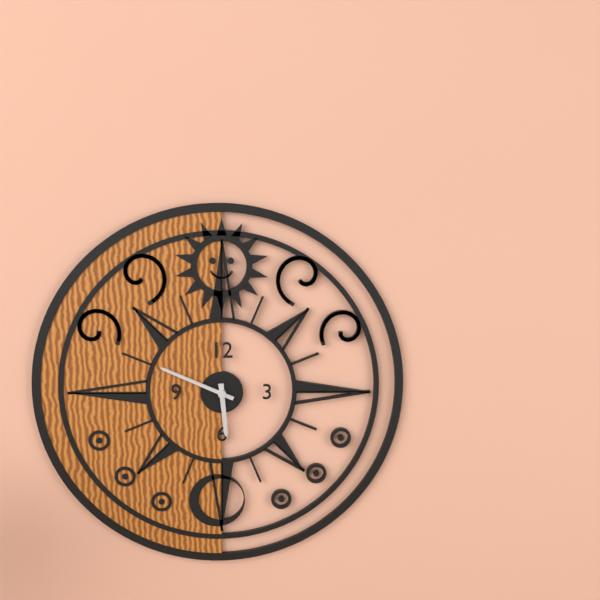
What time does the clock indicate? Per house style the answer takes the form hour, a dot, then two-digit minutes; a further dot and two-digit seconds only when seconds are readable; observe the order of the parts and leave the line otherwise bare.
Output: 5.49
